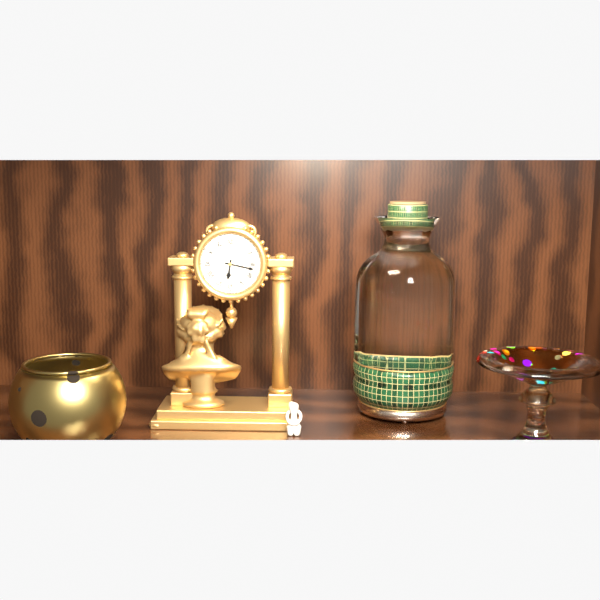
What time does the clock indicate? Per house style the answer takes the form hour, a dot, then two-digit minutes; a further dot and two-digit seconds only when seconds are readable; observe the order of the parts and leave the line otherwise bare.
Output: 6.17
